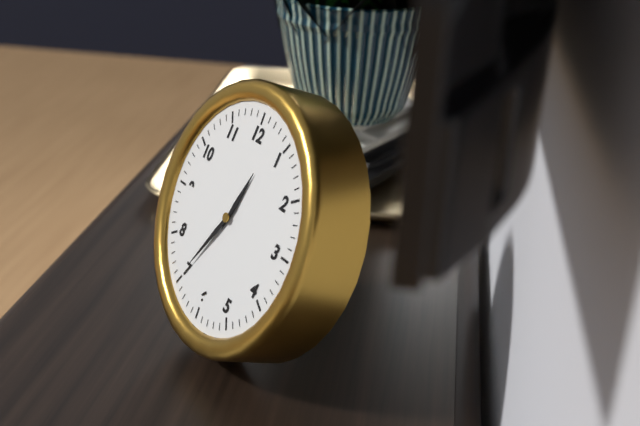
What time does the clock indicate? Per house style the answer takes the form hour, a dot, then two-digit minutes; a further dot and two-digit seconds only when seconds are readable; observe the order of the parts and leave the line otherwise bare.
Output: 12.35
